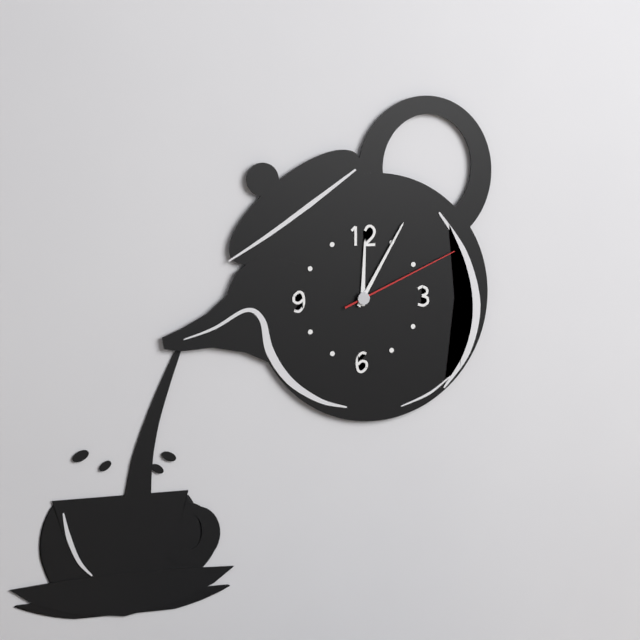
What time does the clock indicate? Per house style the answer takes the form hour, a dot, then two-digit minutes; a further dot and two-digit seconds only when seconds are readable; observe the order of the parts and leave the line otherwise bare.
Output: 12.05.11
